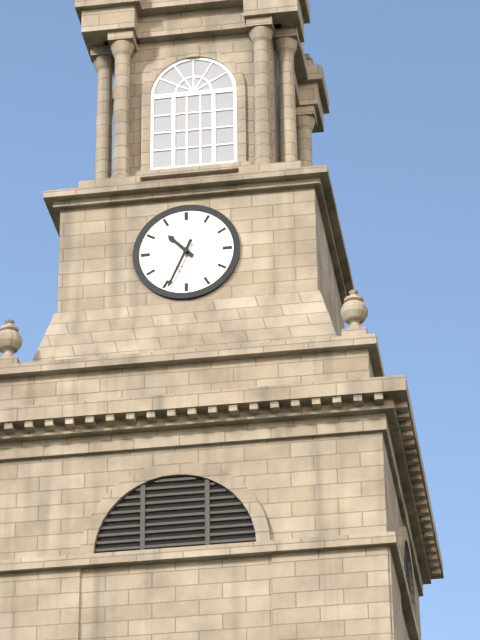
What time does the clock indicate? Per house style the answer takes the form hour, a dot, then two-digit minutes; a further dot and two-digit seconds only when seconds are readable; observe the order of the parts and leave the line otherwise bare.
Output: 10.34
